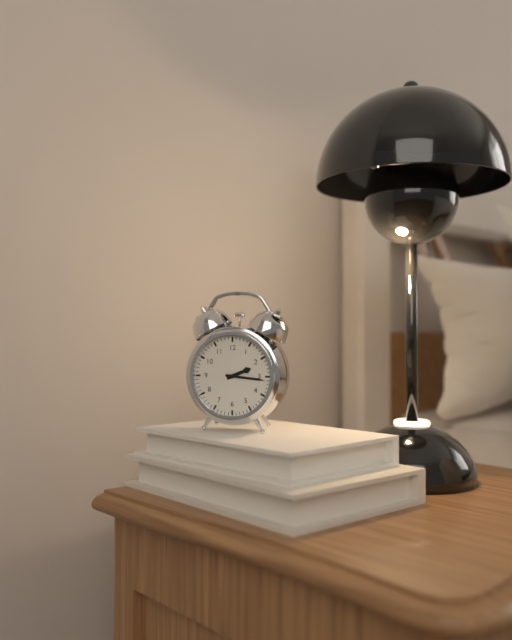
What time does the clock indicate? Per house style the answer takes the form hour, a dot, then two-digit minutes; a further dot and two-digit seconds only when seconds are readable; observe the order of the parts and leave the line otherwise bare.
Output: 2.16
